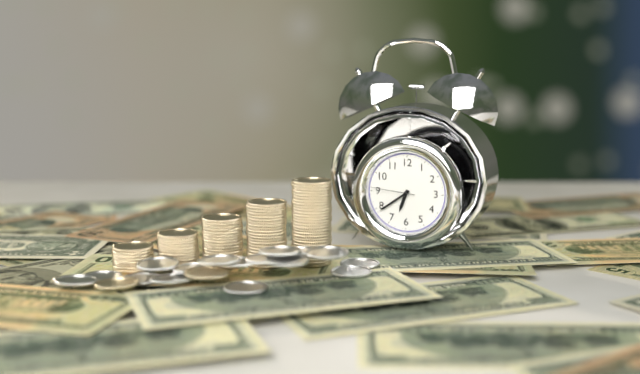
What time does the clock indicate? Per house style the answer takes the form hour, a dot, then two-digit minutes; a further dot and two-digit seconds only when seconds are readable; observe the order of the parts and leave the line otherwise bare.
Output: 6.39
